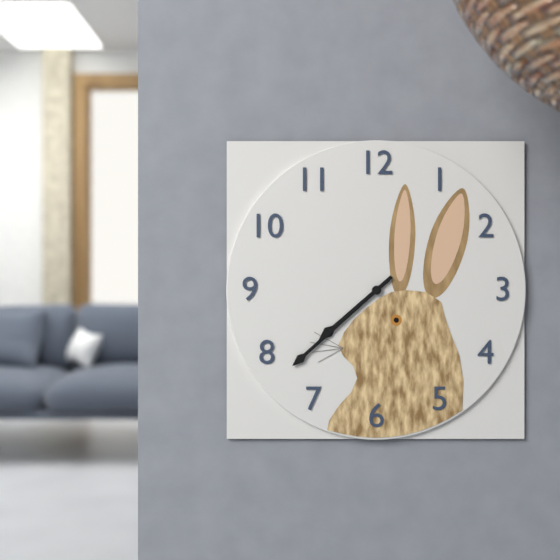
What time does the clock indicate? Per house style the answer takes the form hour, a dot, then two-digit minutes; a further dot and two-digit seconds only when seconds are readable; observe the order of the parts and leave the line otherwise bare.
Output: 7.38
